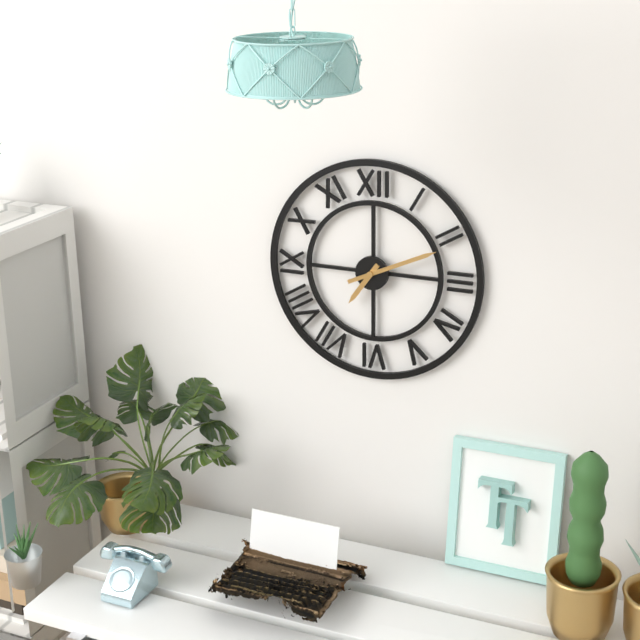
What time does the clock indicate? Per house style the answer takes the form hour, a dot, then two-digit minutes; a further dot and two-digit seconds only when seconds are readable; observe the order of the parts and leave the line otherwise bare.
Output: 7.11
